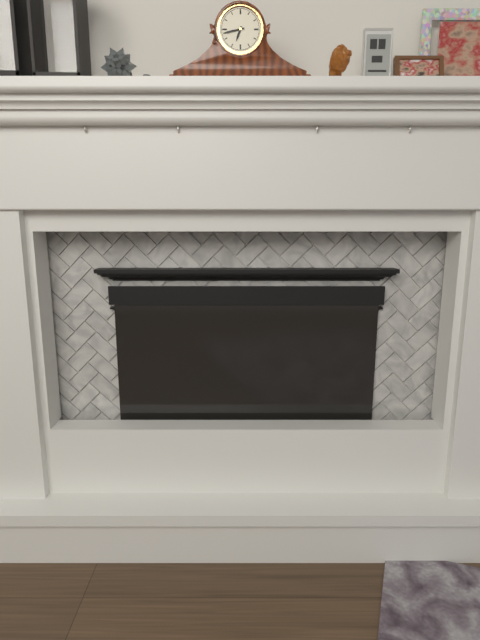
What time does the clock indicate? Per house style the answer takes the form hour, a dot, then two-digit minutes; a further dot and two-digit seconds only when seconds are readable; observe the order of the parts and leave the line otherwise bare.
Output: 6.43
